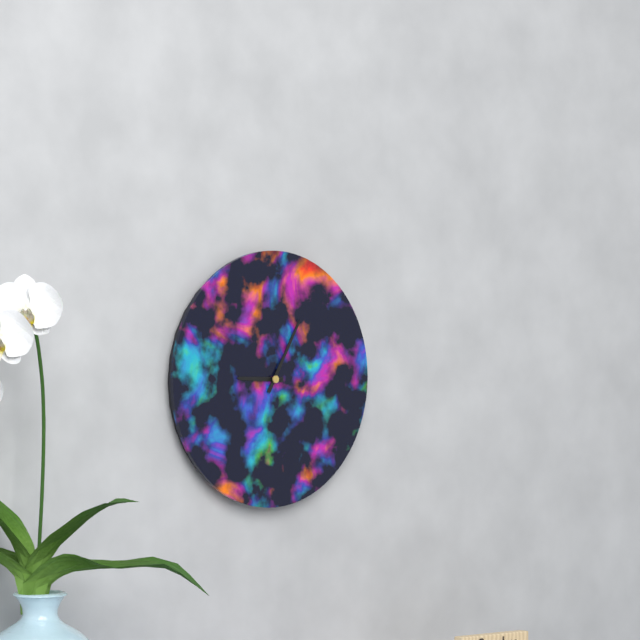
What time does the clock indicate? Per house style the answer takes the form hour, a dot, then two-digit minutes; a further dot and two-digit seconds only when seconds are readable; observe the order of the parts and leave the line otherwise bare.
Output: 9.05
